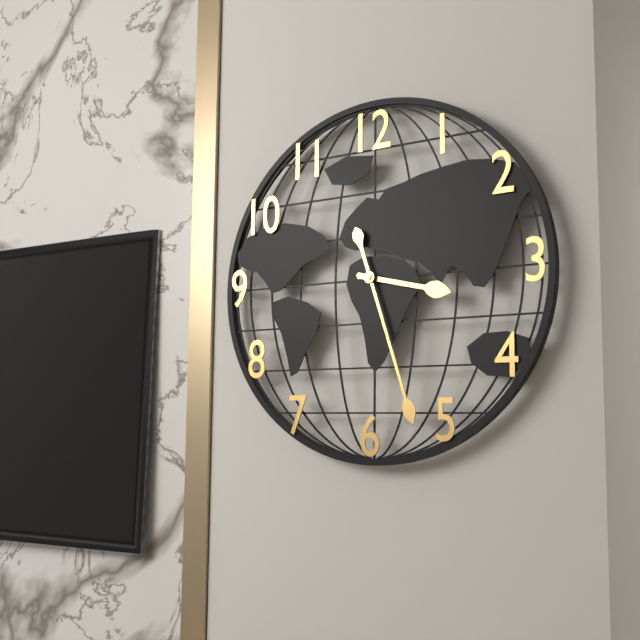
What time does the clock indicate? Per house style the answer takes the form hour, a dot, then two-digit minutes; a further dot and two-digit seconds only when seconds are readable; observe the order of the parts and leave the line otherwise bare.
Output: 3.27
